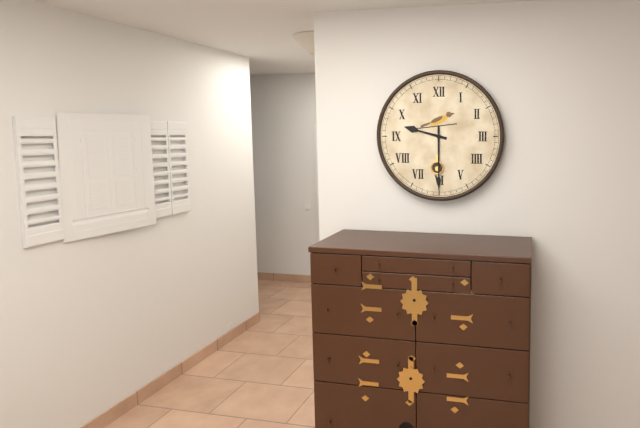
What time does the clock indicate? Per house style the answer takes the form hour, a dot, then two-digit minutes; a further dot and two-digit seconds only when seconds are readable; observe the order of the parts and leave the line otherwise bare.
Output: 9.30
